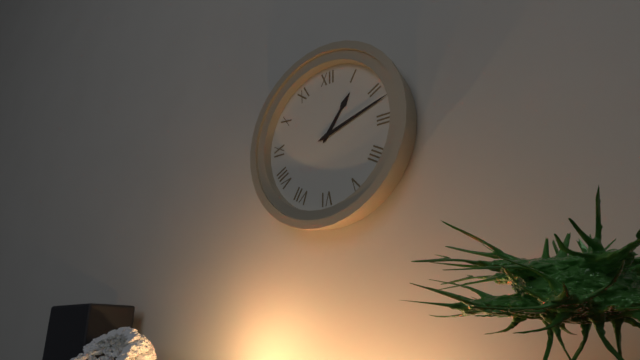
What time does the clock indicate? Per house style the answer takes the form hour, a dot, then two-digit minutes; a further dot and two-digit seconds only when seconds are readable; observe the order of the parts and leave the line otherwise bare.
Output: 1.12
